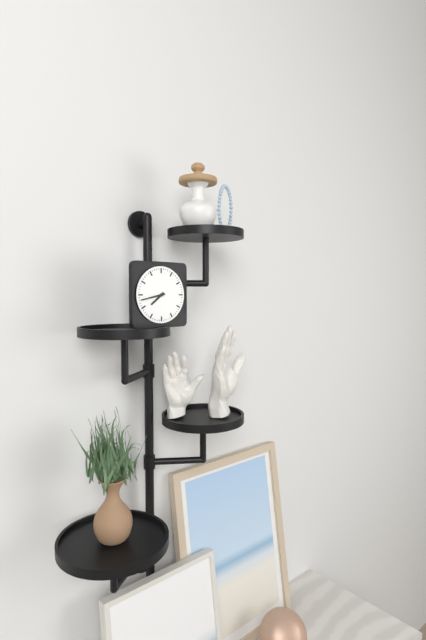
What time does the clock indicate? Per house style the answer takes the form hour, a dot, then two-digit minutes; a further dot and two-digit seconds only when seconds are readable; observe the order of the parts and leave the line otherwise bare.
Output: 7.43
